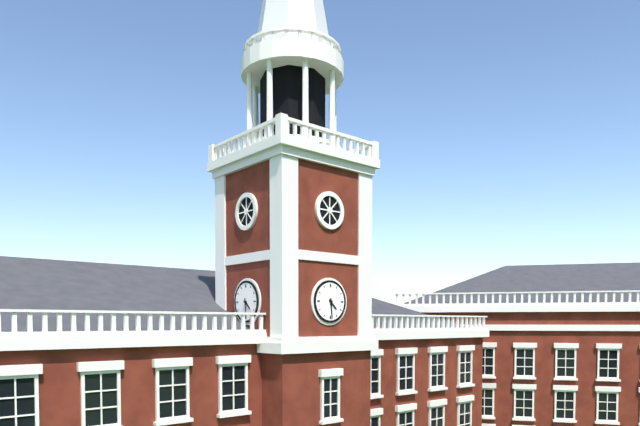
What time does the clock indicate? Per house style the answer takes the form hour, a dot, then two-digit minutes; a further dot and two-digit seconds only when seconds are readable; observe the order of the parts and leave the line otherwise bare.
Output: 4.29
